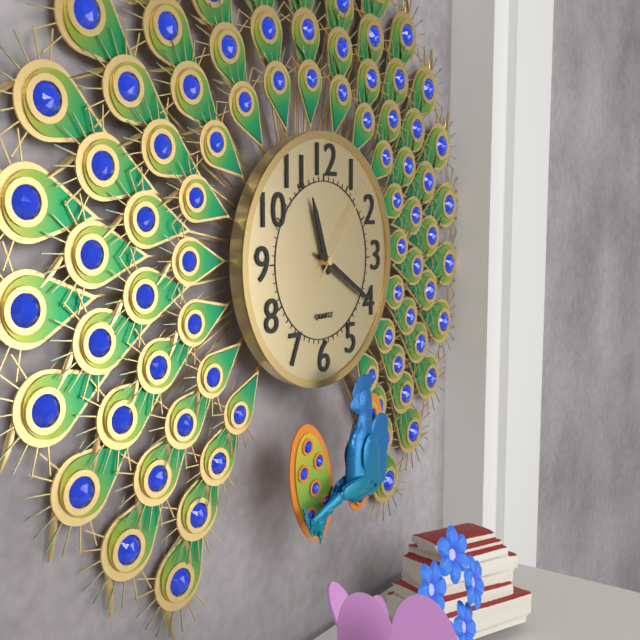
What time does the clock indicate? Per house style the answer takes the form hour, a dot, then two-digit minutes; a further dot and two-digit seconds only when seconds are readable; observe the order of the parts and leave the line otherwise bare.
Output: 11.20.07
